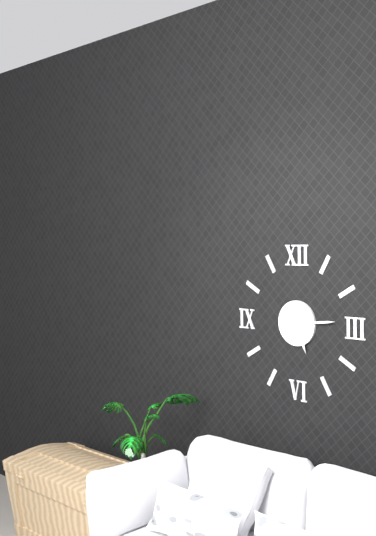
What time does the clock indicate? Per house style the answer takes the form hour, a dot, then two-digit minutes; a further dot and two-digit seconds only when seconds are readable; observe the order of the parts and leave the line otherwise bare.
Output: 5.14
